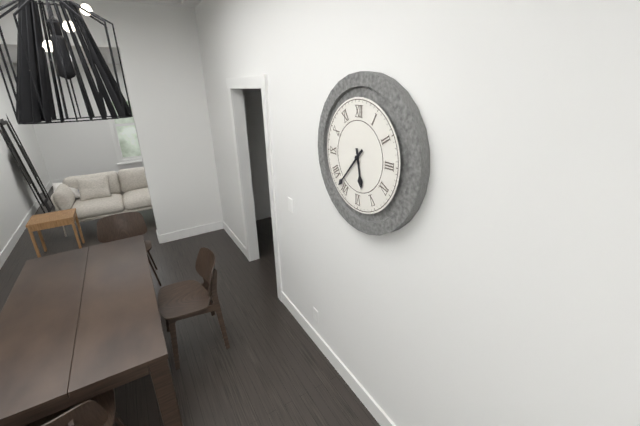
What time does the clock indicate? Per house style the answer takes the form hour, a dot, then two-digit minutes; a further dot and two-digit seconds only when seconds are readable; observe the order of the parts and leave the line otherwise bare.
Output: 5.37
